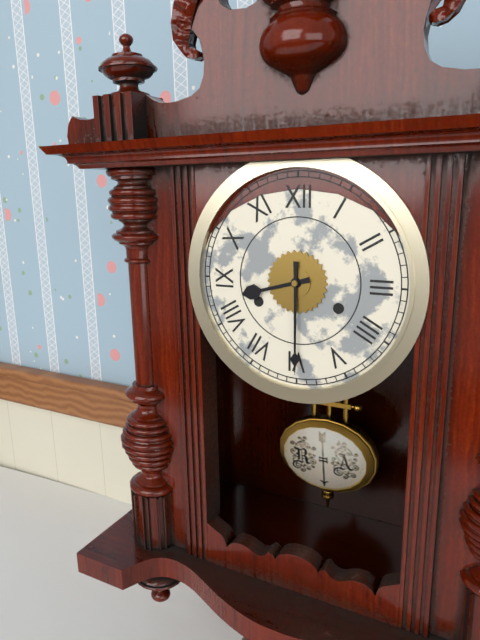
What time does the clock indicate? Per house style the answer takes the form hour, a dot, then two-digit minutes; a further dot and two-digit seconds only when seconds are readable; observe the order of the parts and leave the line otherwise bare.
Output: 8.30
